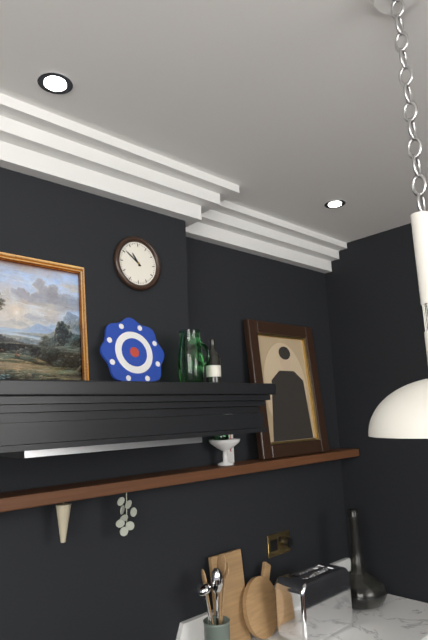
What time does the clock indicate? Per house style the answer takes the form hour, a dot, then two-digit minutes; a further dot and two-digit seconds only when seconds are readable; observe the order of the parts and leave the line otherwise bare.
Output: 10.51
